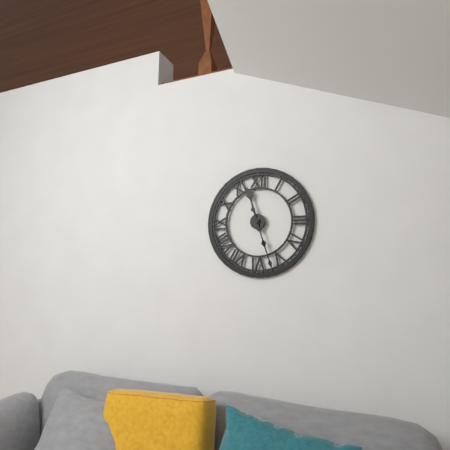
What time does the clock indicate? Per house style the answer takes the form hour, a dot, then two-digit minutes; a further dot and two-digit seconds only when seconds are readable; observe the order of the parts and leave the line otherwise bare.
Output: 11.27
